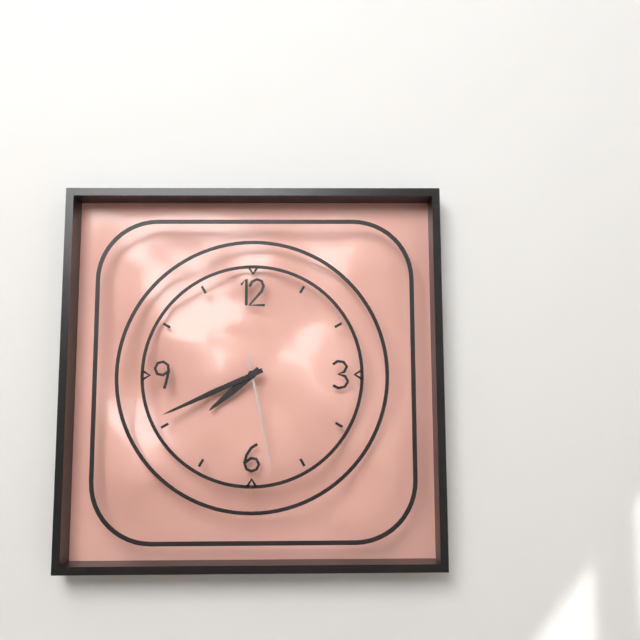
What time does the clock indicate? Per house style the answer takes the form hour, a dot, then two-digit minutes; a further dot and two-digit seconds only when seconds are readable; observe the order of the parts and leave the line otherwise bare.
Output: 7.41.28
